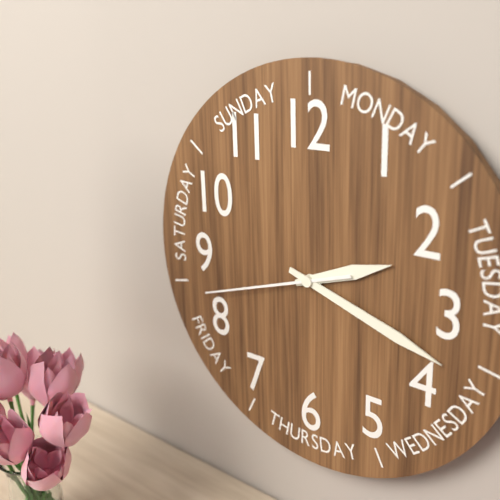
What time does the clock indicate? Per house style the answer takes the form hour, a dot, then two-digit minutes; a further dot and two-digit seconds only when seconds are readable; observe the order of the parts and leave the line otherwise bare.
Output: 2.18.42
